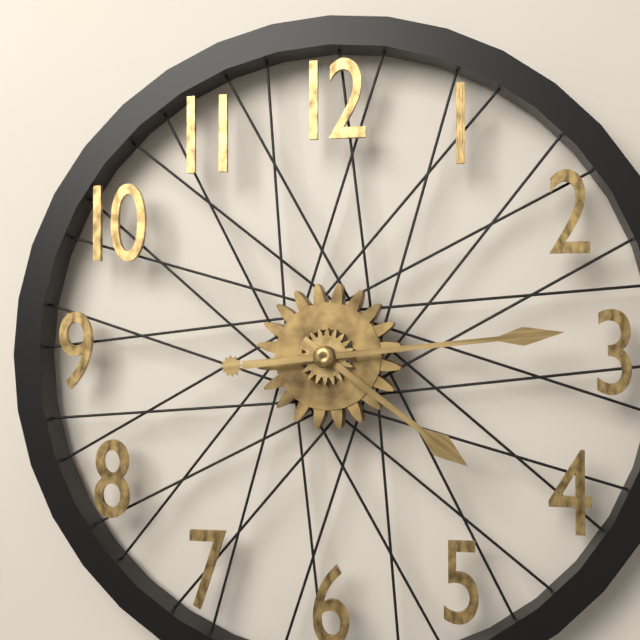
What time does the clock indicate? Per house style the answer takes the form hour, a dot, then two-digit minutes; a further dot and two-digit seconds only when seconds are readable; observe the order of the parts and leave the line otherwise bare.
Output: 4.14
